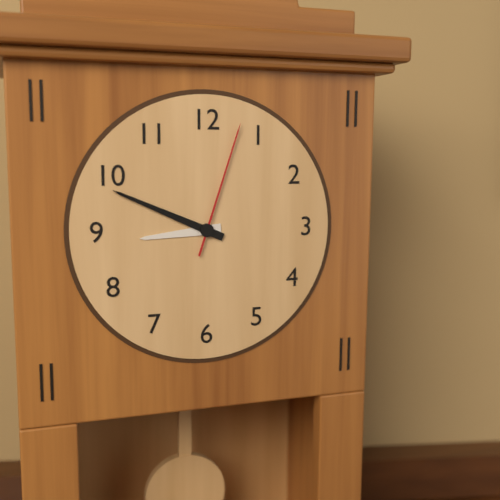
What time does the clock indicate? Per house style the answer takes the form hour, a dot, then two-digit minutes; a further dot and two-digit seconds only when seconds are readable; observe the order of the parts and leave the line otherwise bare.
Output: 8.49.03
